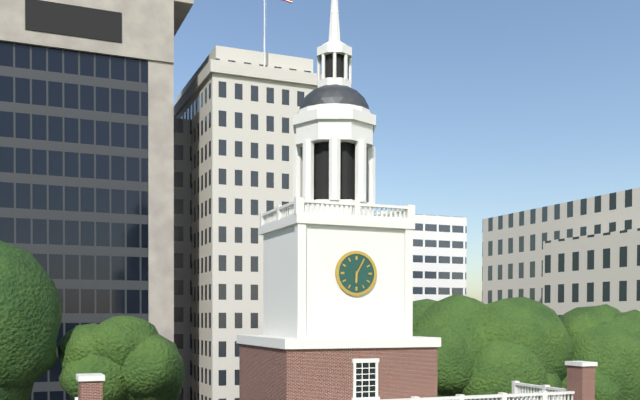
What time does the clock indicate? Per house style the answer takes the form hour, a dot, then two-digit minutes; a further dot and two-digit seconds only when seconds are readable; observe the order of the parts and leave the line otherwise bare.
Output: 6.05
